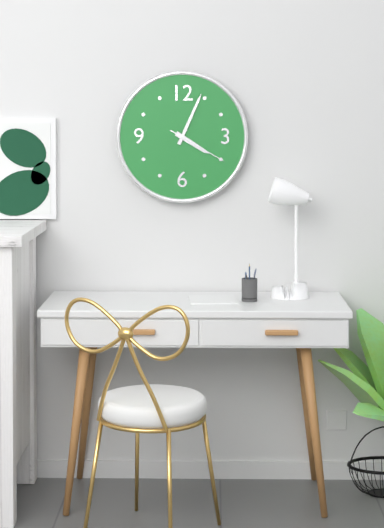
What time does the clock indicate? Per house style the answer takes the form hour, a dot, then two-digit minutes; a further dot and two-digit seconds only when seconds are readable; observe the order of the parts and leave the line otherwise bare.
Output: 4.04.20
